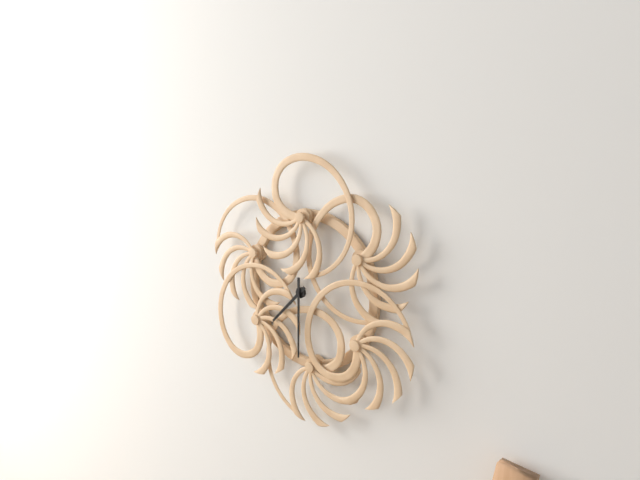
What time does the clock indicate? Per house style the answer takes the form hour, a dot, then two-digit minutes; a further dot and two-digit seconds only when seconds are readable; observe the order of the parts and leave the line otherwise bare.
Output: 7.30
